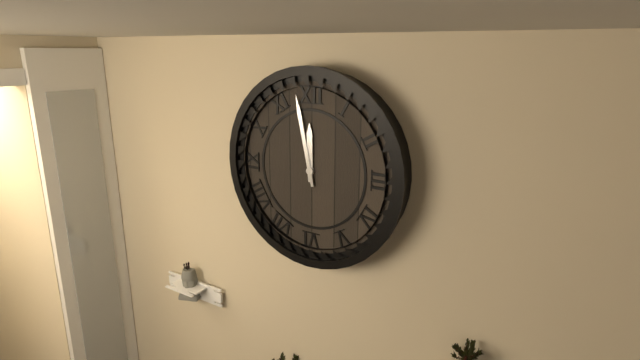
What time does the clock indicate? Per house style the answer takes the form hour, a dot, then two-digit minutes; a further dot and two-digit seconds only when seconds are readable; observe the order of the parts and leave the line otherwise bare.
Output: 11.58
